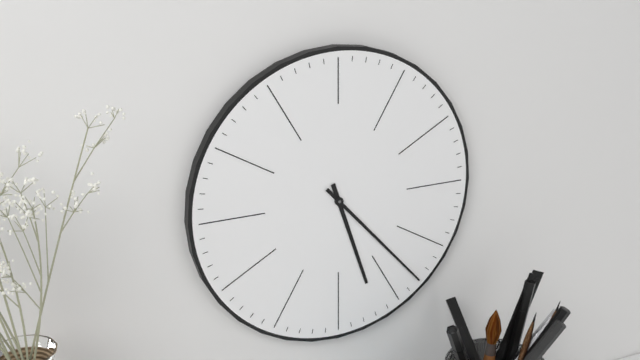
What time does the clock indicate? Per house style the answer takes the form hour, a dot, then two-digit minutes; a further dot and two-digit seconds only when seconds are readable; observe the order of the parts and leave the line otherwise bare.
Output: 5.23
